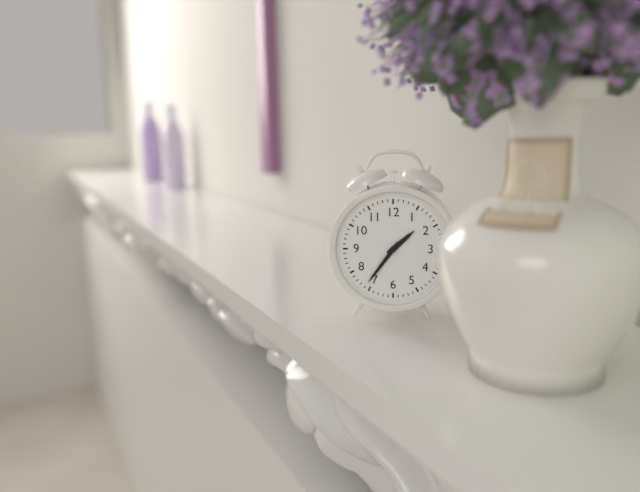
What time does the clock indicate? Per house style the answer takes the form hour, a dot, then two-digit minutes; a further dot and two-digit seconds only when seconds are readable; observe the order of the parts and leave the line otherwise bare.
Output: 1.36
